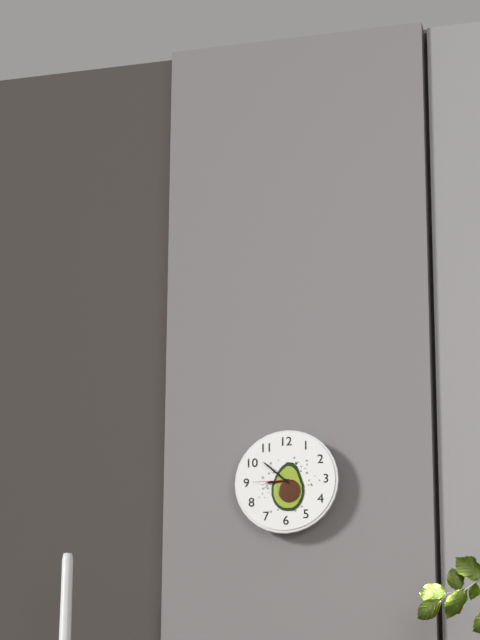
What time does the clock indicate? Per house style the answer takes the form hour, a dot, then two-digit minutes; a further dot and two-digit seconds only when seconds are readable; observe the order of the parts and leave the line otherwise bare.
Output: 8.52
